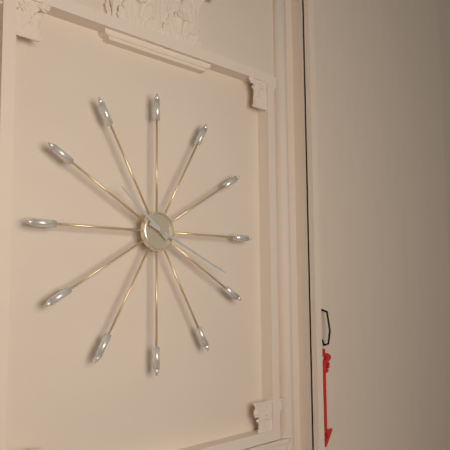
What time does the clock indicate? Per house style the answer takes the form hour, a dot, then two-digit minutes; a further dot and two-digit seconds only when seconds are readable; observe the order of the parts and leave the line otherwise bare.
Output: 10.19
